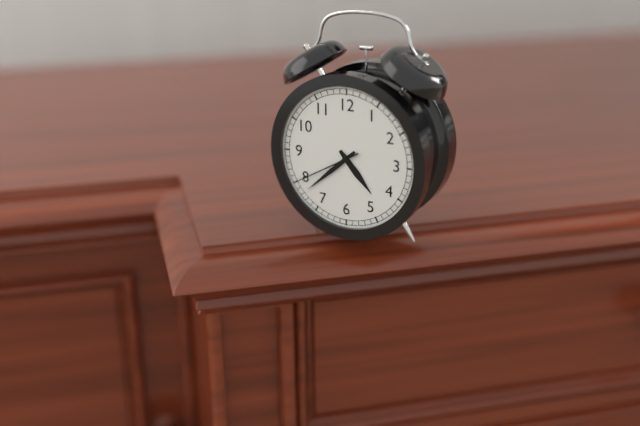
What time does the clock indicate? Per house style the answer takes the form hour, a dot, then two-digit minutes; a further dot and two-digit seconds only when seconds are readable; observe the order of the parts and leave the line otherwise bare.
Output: 4.38.40
